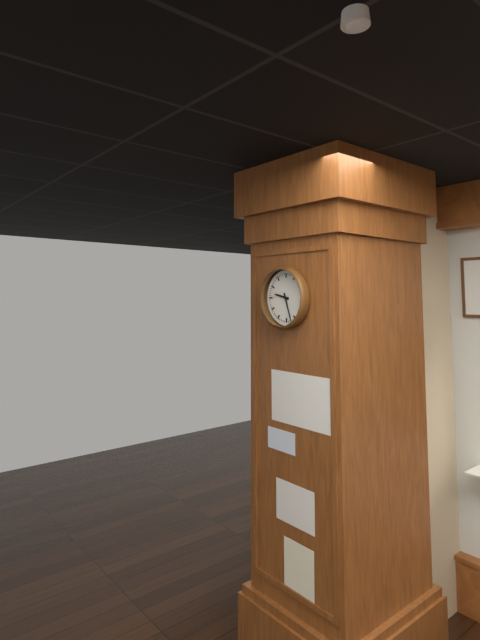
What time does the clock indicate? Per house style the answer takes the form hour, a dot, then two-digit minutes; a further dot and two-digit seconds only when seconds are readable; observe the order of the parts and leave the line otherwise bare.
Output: 9.27
